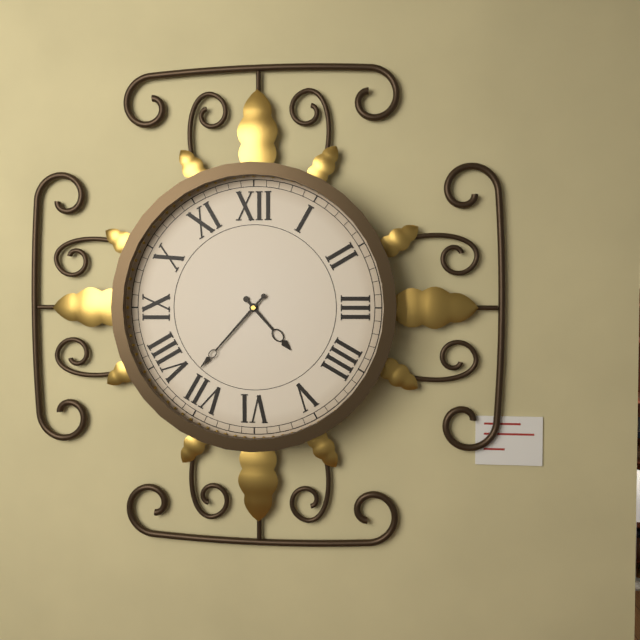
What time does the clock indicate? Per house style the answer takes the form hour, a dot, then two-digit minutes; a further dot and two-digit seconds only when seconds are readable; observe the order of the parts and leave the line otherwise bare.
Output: 4.37
